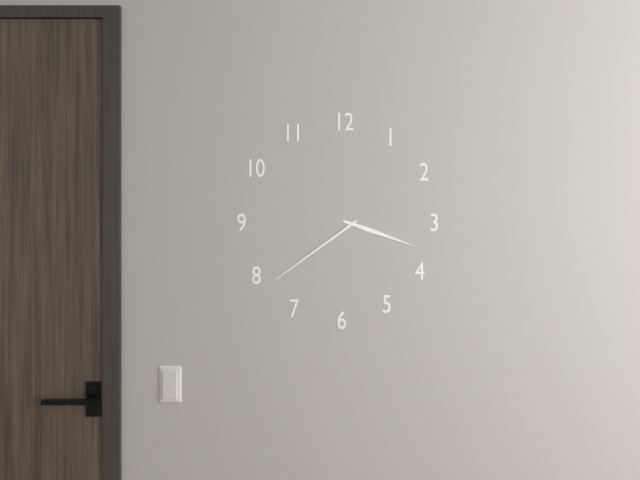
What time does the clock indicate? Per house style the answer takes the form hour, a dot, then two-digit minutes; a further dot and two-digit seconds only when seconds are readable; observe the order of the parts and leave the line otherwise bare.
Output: 3.39
